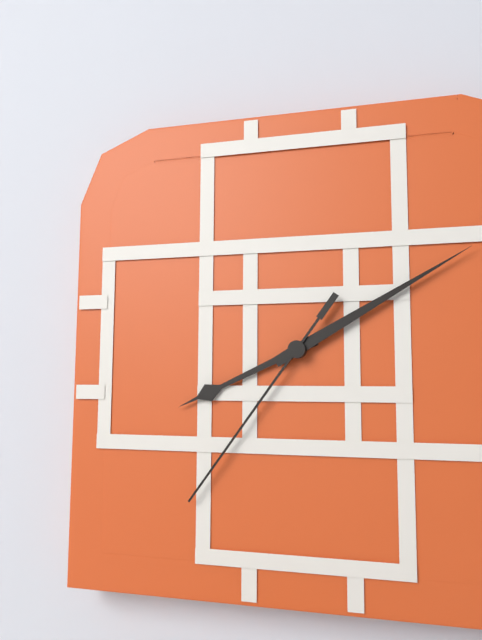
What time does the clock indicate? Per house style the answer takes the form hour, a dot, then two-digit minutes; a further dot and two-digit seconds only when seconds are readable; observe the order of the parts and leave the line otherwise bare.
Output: 8.10.36
